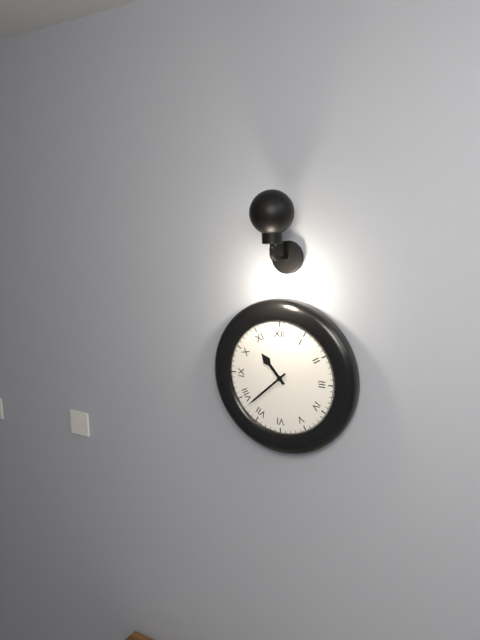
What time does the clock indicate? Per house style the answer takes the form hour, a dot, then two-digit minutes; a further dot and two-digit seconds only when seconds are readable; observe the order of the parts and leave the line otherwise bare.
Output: 10.38
